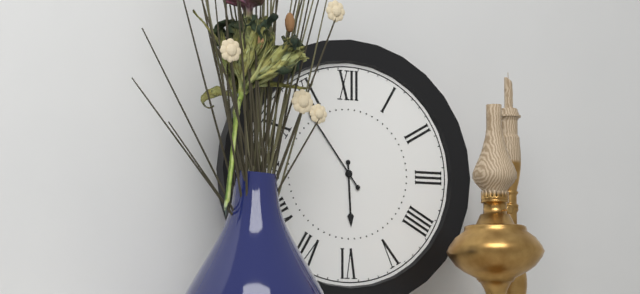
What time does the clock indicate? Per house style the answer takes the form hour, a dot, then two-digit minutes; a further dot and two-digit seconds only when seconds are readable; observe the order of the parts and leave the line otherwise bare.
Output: 5.54
